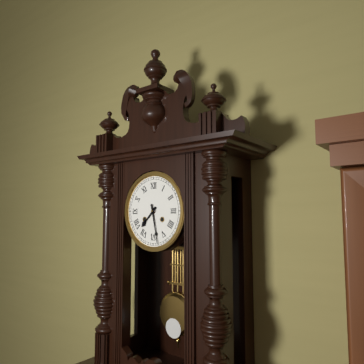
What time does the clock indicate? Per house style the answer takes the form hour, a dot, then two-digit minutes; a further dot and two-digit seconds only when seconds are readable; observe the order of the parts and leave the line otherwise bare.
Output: 7.28
